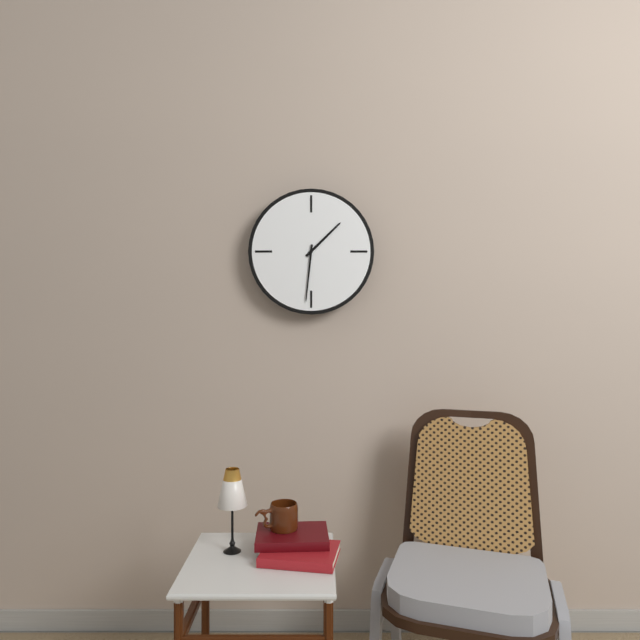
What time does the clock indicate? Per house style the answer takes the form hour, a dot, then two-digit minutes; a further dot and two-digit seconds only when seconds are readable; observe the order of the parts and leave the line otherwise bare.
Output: 1.31
